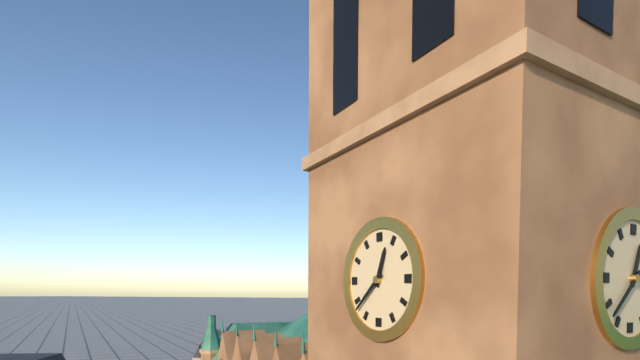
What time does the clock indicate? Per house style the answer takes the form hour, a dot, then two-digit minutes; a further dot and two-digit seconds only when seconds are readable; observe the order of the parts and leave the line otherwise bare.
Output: 12.38
